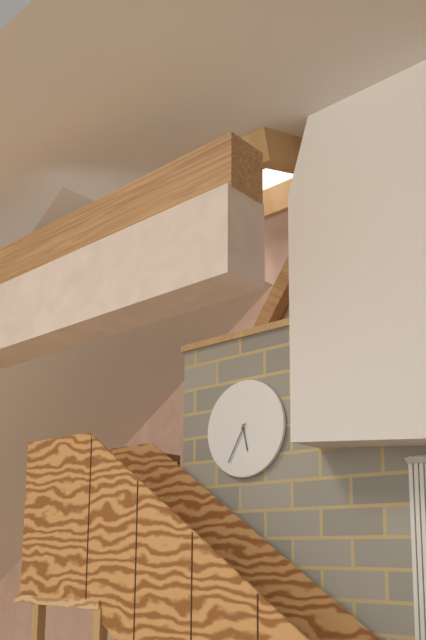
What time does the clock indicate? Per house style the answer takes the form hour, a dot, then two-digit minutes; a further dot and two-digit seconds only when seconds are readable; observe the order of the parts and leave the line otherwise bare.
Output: 5.35
